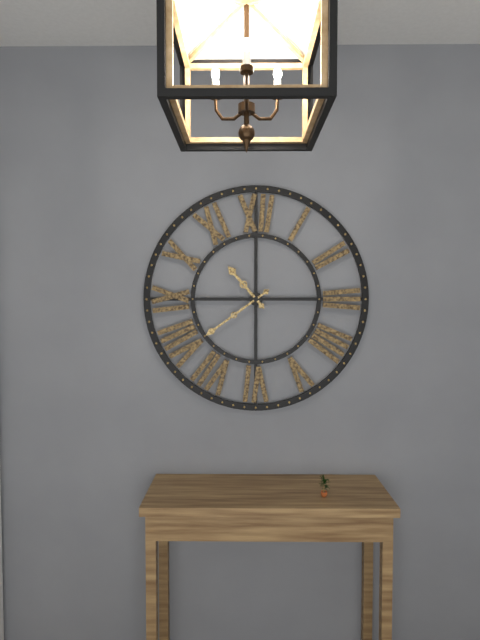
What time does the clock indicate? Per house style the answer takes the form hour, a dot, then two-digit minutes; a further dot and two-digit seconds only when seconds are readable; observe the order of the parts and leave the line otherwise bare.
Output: 10.39
